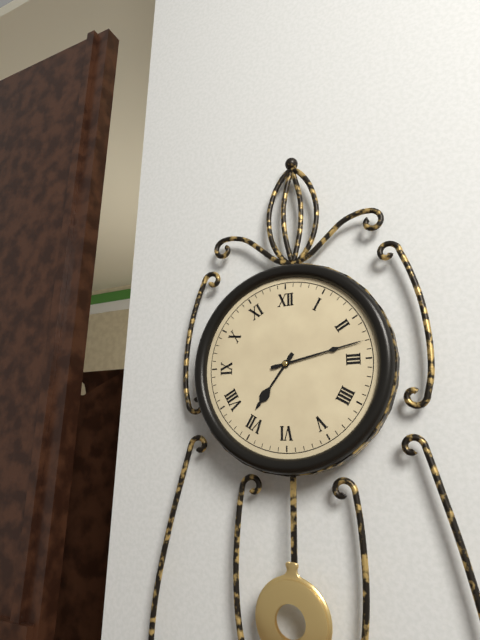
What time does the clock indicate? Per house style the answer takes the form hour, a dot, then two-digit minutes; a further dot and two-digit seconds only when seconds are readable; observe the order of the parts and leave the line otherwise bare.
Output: 7.13
